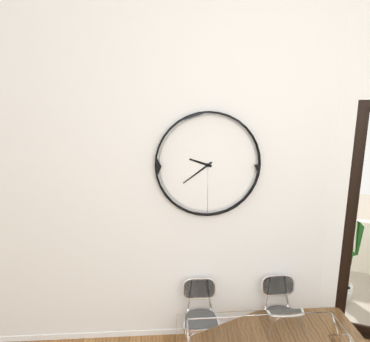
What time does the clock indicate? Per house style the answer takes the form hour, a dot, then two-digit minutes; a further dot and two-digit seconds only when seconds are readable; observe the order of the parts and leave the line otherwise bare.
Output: 9.39
